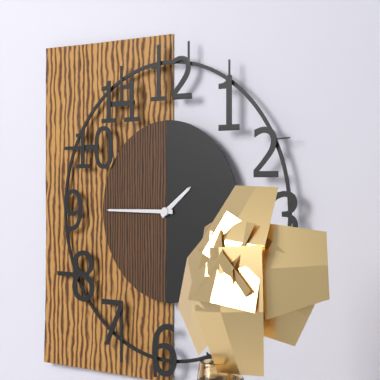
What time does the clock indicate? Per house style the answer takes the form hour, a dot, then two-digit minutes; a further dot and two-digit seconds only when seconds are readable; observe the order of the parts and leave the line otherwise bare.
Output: 1.45
